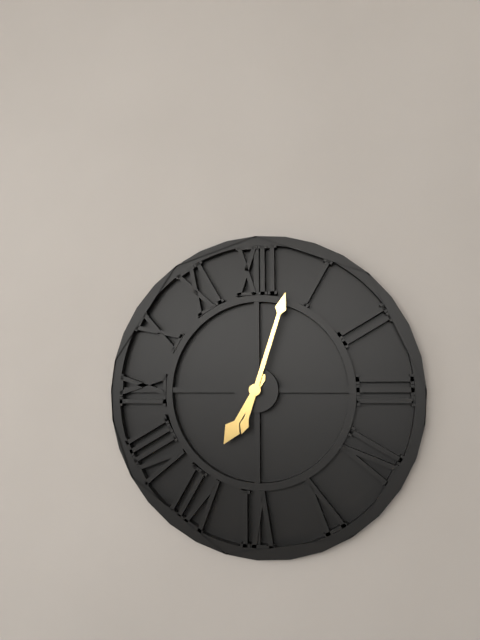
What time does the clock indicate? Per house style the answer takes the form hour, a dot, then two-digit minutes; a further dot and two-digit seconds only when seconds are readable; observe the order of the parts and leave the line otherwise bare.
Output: 7.03
